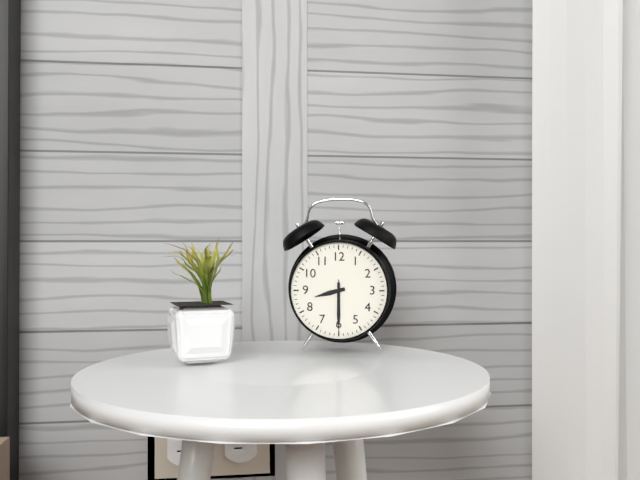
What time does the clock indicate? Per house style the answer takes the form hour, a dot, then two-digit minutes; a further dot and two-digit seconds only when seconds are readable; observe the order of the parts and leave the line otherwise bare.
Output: 8.30.30
